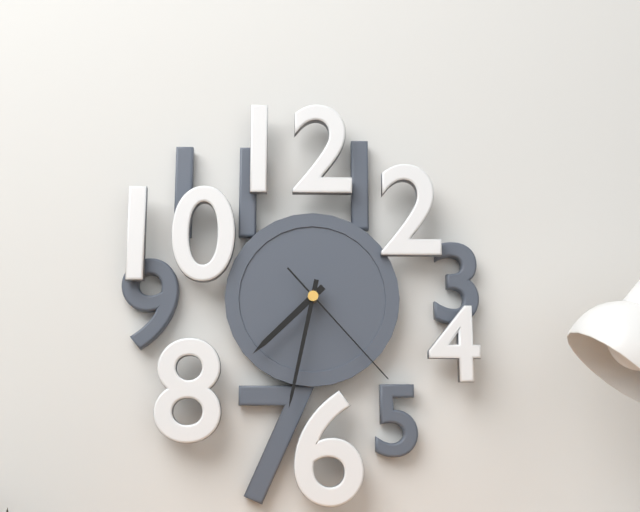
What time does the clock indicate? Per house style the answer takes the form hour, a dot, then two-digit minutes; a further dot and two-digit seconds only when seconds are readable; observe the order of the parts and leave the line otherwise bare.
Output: 7.32.23
